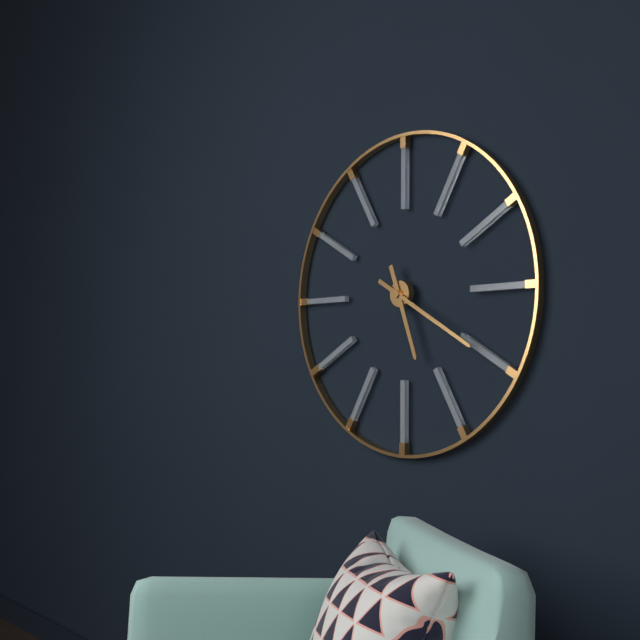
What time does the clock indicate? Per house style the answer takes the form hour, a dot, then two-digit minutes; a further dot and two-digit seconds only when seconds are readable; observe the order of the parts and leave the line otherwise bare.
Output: 5.20
